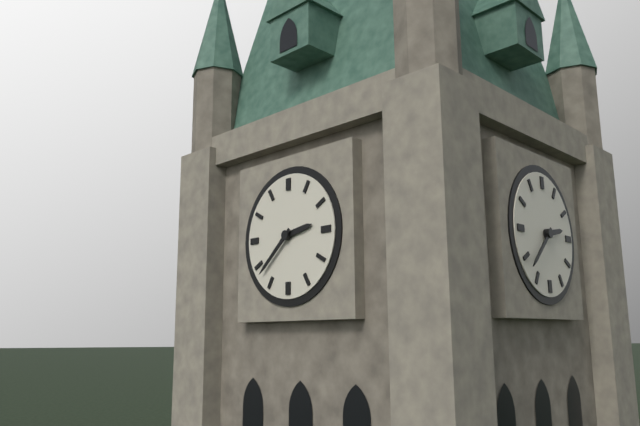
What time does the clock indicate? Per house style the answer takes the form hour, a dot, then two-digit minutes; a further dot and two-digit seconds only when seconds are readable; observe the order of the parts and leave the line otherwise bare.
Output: 2.38
